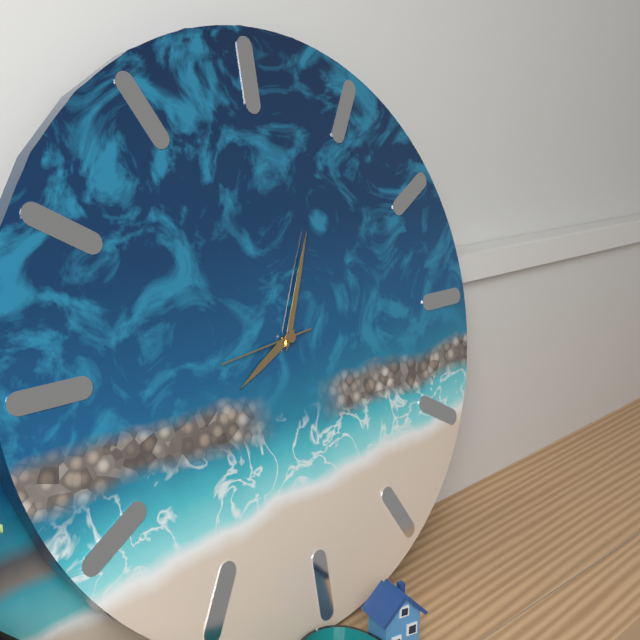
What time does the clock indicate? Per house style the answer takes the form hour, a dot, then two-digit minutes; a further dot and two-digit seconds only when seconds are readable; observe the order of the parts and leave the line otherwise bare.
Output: 8.04.44
